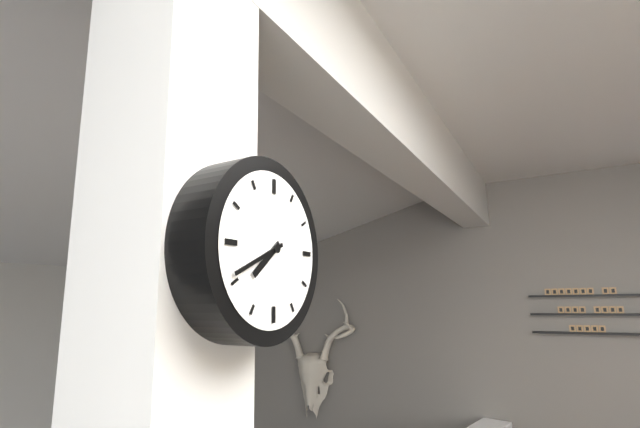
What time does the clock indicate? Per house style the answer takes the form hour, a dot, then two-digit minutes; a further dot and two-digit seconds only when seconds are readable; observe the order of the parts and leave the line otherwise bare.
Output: 7.41
